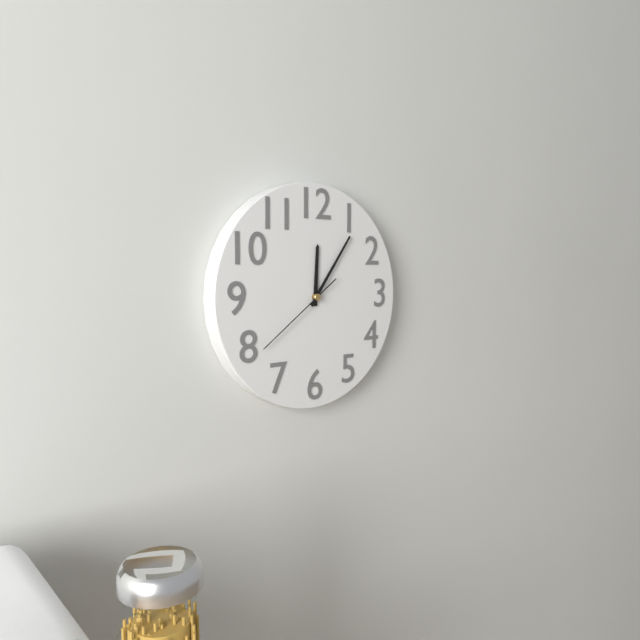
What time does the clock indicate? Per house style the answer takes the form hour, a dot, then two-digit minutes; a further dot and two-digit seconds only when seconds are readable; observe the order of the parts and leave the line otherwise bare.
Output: 12.06.39
